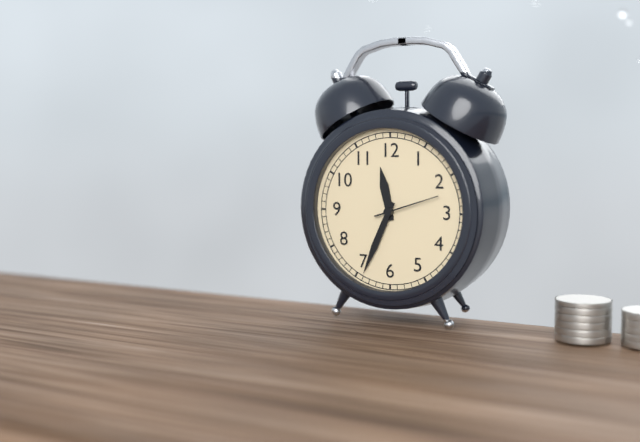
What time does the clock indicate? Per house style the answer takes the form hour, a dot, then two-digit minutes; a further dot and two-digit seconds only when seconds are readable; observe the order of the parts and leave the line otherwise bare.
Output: 11.34.12
